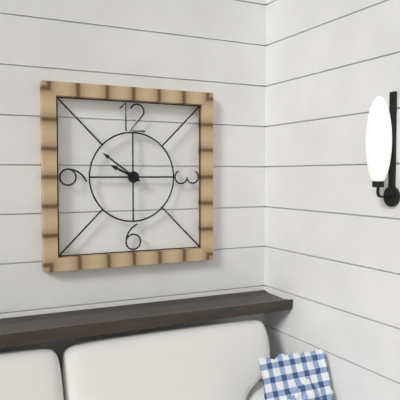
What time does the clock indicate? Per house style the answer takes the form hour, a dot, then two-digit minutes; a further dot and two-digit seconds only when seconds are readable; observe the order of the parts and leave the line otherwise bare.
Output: 9.51
